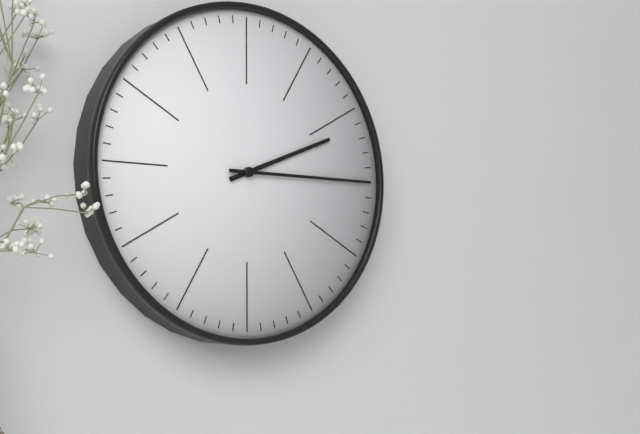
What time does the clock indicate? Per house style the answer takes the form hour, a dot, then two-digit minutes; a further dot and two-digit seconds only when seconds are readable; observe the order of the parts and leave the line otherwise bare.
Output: 2.15
